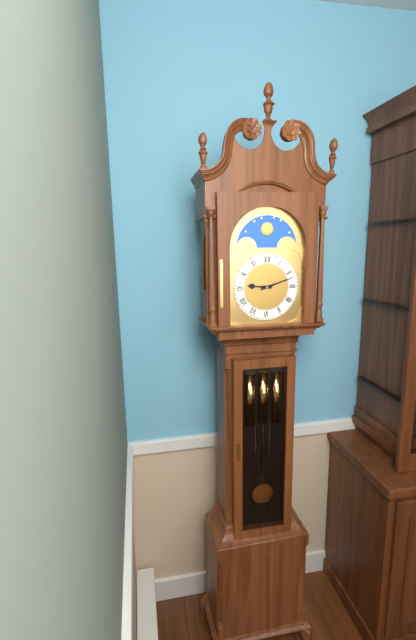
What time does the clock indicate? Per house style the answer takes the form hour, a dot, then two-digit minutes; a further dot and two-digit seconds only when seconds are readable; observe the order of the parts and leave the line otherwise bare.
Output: 9.12
